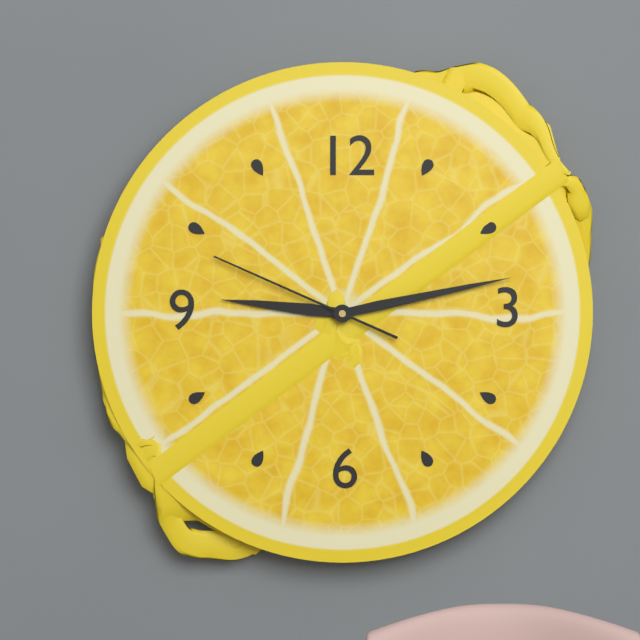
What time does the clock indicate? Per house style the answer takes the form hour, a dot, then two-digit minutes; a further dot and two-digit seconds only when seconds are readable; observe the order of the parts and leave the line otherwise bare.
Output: 9.13.49
